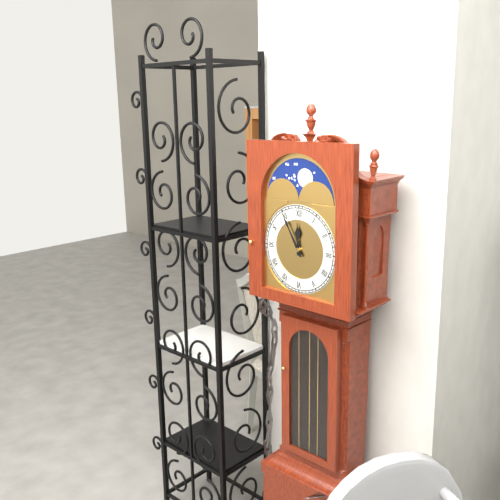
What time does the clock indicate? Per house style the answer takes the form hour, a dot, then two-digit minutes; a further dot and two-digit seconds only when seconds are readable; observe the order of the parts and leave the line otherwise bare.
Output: 11.55
